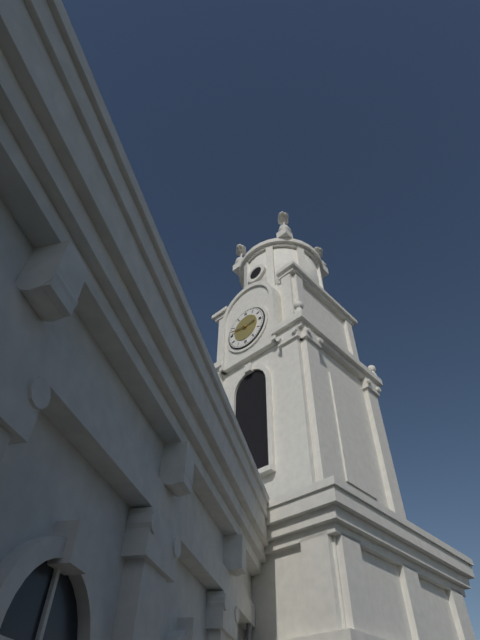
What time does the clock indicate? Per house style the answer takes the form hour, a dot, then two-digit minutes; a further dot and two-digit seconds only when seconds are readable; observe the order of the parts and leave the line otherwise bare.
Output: 2.47
